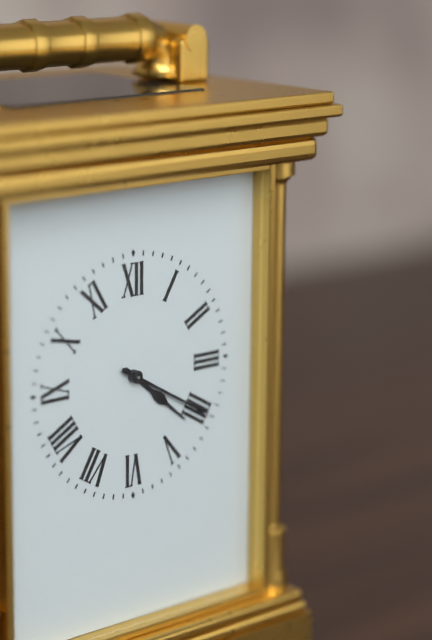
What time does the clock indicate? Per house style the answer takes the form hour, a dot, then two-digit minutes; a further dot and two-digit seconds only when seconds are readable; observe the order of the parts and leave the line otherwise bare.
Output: 4.20
